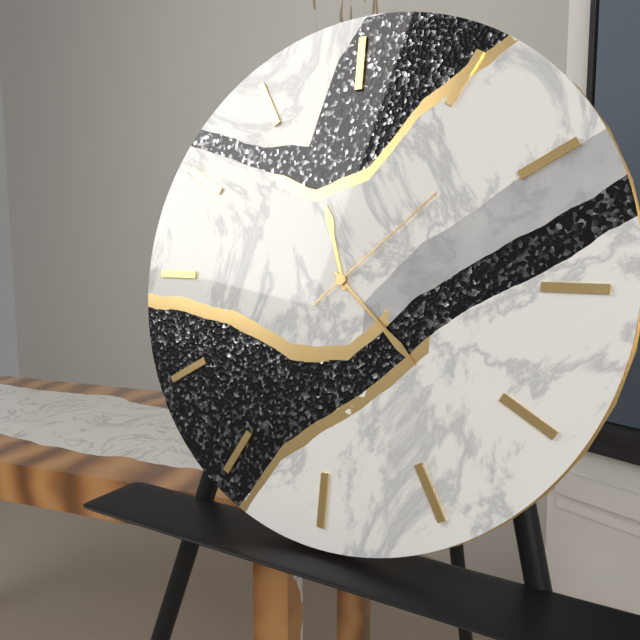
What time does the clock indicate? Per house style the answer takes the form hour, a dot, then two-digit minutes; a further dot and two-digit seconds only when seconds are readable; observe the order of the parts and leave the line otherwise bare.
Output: 11.22.08
